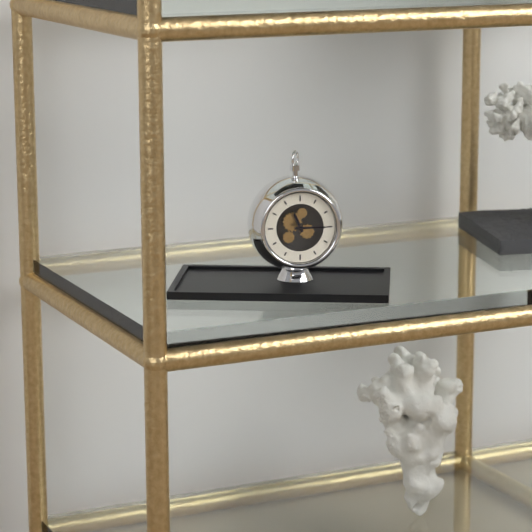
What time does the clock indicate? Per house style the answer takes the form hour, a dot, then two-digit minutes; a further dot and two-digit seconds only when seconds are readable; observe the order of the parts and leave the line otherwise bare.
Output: 11.15
